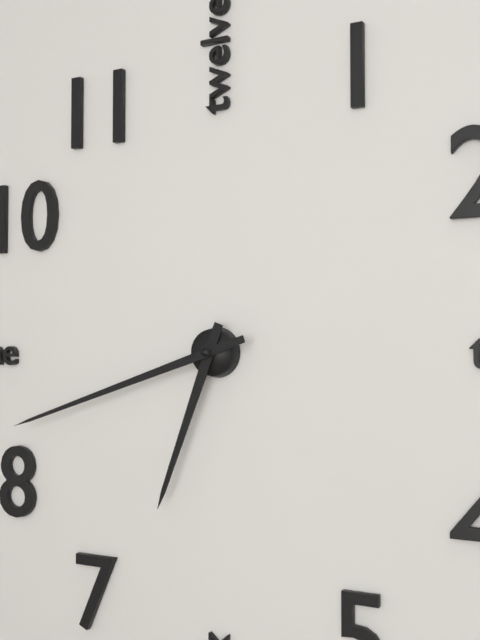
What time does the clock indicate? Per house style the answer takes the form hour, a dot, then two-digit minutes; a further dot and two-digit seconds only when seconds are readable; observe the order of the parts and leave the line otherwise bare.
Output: 6.42
